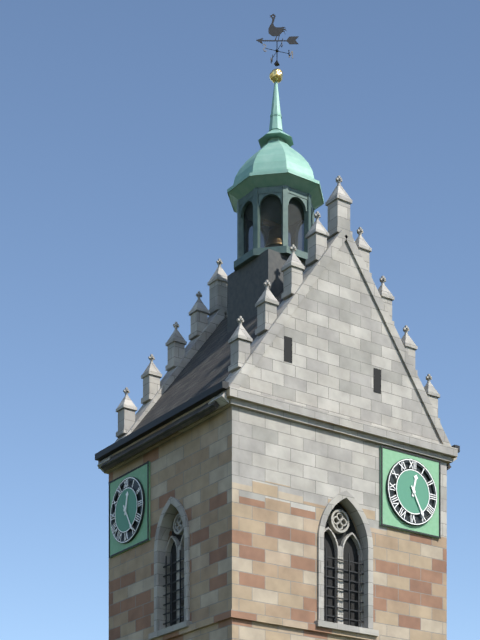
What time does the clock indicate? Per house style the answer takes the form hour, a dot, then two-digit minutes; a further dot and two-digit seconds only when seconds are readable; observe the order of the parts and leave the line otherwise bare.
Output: 12.25
